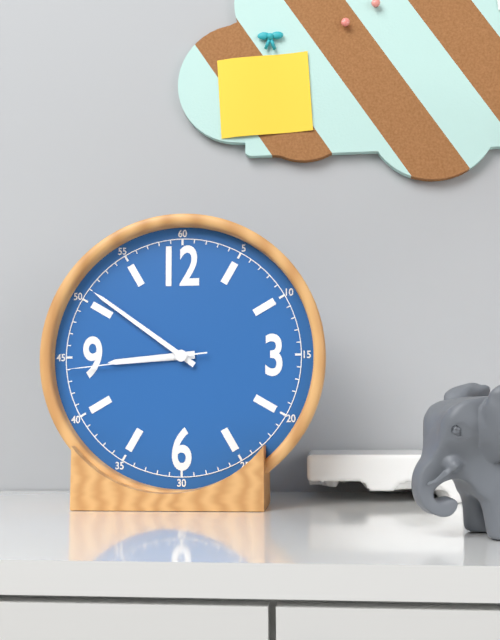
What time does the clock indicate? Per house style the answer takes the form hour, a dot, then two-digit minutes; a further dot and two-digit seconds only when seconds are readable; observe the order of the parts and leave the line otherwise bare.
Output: 8.51.44
